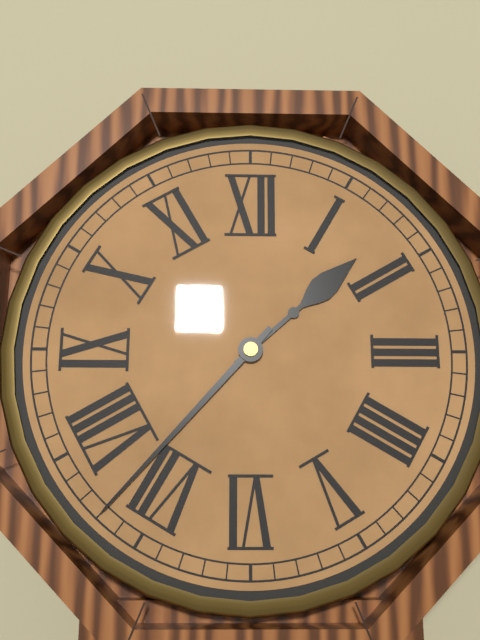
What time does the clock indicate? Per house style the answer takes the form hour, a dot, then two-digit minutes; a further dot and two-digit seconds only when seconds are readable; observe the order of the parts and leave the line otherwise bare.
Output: 1.37
